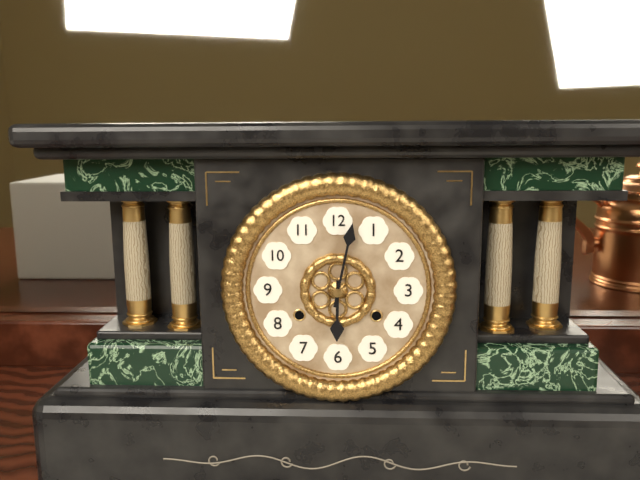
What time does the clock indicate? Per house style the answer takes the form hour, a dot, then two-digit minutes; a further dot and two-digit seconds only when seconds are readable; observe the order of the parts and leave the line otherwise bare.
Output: 6.02
